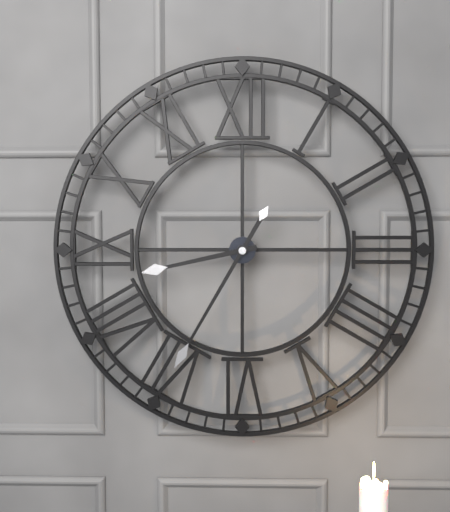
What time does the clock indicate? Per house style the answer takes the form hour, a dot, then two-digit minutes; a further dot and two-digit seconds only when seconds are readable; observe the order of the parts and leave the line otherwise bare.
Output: 8.35
